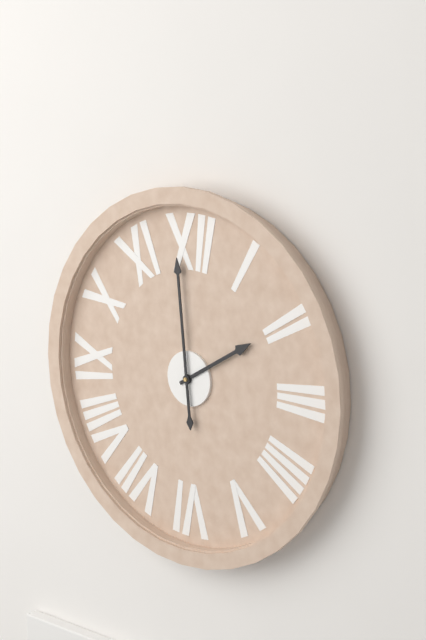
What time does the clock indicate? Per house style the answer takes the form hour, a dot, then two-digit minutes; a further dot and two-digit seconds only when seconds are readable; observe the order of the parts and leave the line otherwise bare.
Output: 1.59
